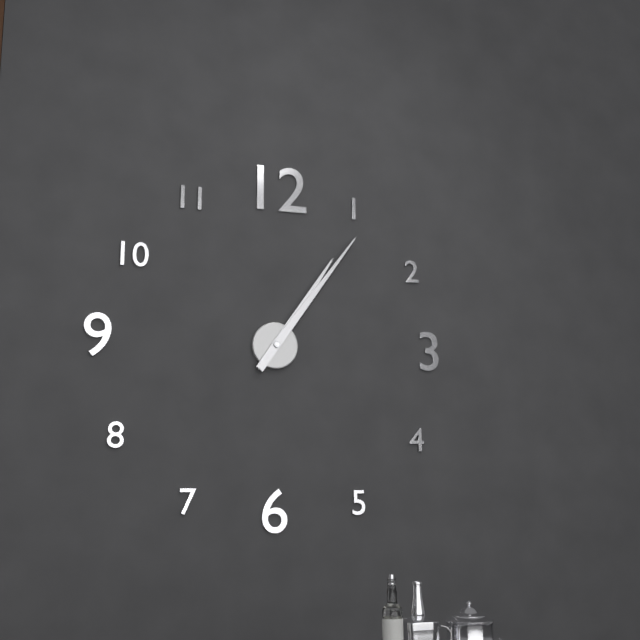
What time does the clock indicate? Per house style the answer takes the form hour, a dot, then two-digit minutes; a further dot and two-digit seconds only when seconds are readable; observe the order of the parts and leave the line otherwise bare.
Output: 1.06
